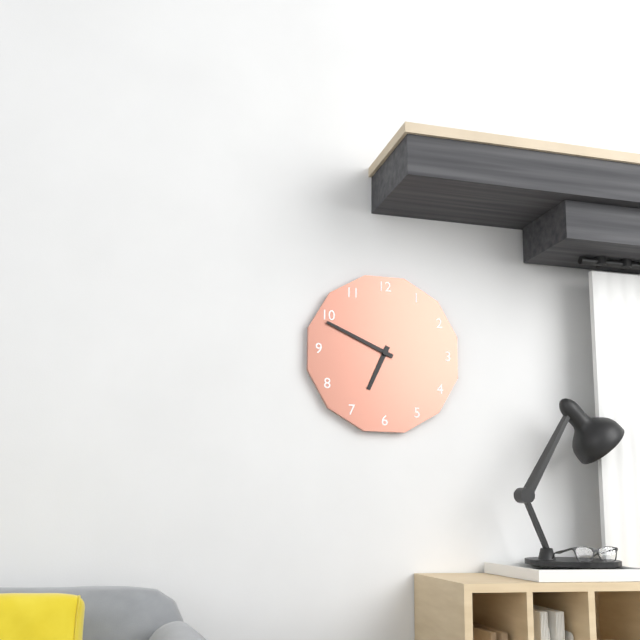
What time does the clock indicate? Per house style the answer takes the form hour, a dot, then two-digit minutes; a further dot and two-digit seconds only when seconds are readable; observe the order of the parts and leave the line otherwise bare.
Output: 6.49
